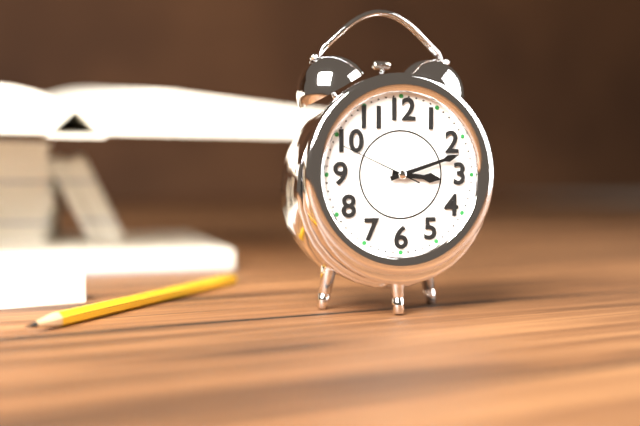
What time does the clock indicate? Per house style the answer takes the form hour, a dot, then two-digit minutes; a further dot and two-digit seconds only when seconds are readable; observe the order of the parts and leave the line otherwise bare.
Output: 3.12.49
